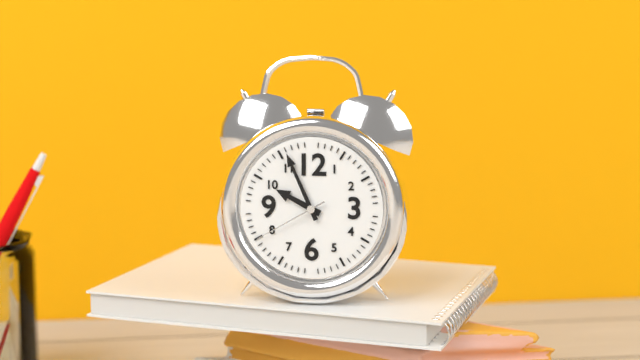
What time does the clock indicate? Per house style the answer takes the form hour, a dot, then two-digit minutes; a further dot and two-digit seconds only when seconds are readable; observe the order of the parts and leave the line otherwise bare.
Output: 9.56.40
